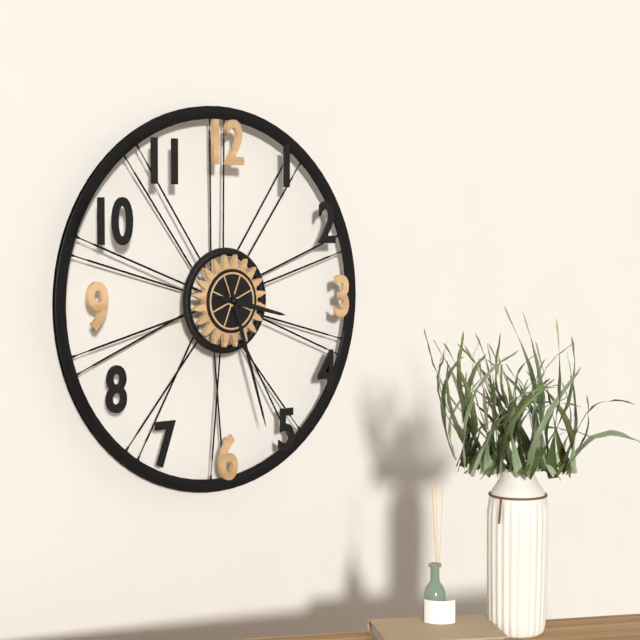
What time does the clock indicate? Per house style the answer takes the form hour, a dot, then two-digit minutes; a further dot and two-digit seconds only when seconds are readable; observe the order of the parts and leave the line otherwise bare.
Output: 3.27
